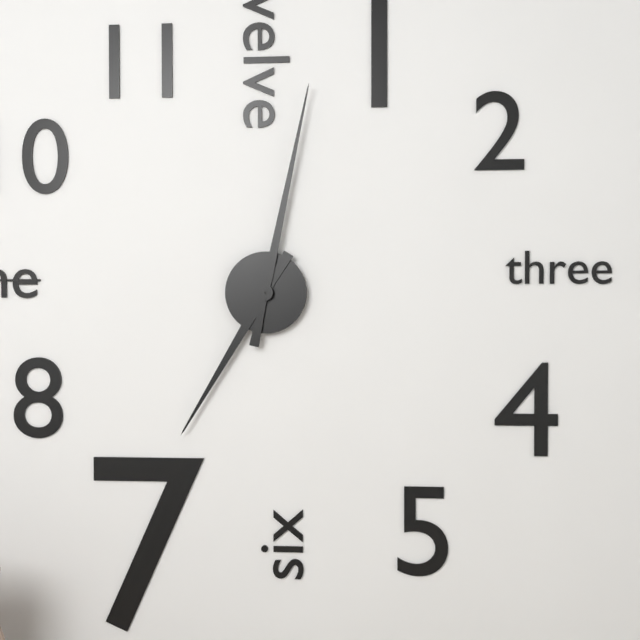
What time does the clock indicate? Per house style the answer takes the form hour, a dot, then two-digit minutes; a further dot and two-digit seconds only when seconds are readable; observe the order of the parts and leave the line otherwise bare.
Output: 7.02
